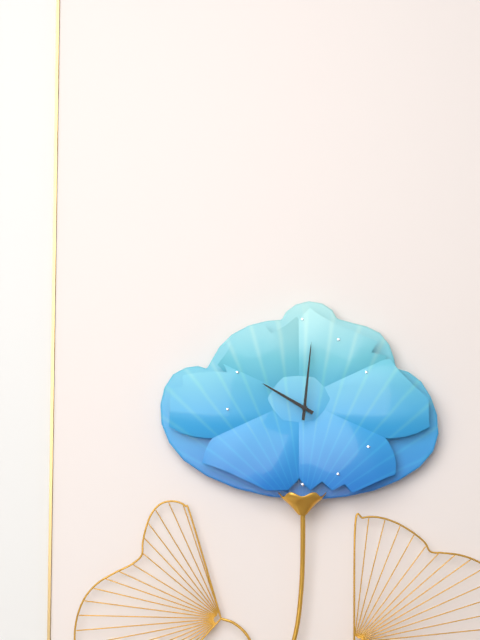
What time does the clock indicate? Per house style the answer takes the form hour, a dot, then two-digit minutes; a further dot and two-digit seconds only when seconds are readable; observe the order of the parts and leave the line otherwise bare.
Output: 10.01
